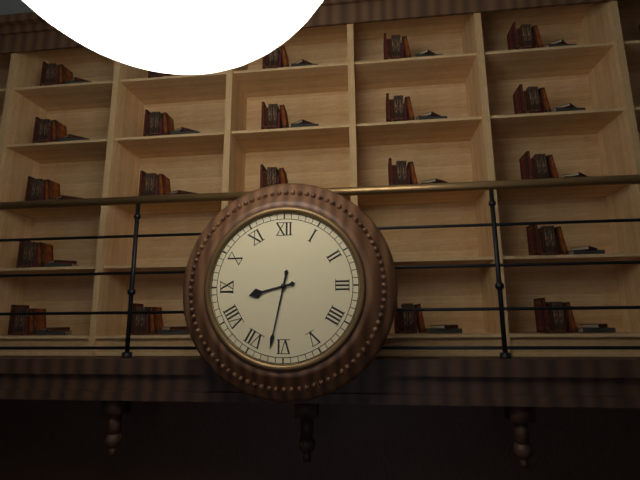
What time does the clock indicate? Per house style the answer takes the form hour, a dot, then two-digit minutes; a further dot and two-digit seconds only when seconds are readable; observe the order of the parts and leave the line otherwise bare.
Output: 8.32
